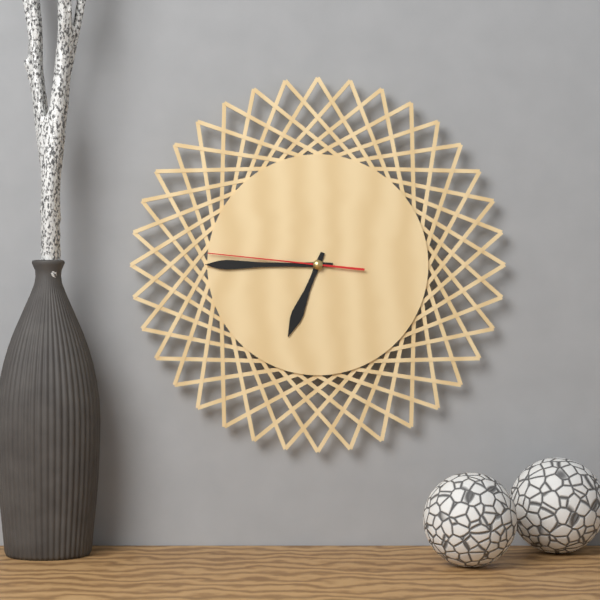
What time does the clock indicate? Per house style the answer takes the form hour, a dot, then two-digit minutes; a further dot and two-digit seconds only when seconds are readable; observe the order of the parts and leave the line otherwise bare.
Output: 6.45.46
